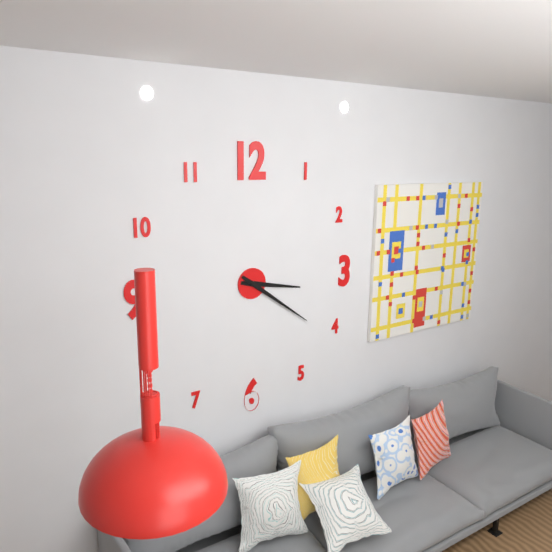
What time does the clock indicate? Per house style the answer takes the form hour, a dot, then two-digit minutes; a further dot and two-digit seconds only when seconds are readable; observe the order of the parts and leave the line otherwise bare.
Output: 3.21
